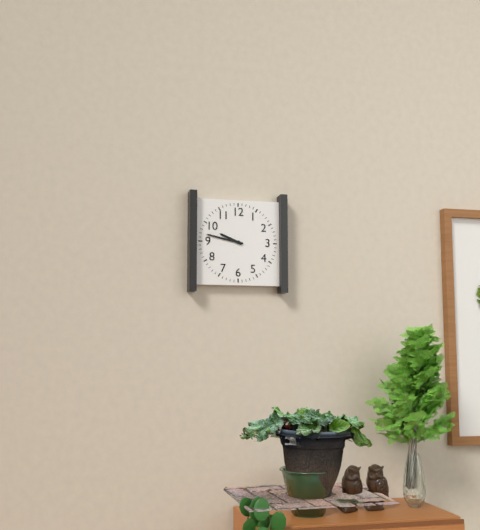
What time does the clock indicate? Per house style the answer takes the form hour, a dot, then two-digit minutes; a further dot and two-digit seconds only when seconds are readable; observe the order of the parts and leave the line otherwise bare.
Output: 9.47
